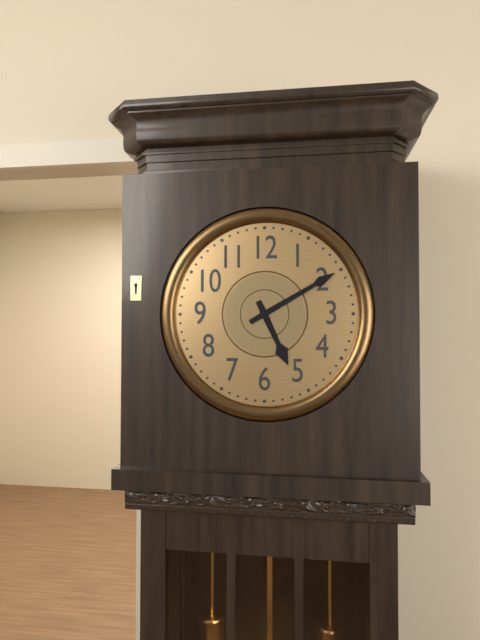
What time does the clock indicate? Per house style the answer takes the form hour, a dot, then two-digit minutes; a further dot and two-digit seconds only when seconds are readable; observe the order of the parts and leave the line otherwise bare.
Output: 5.10
